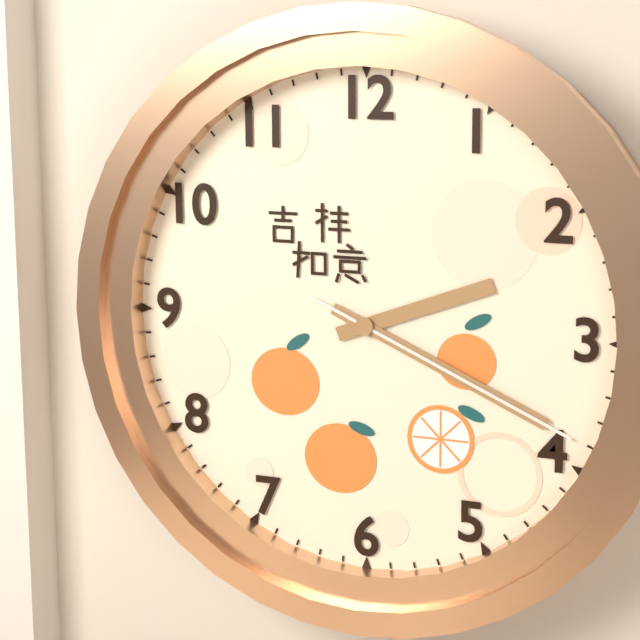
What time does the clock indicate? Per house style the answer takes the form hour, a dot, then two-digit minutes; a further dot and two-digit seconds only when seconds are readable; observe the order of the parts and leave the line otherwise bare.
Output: 2.19.19
